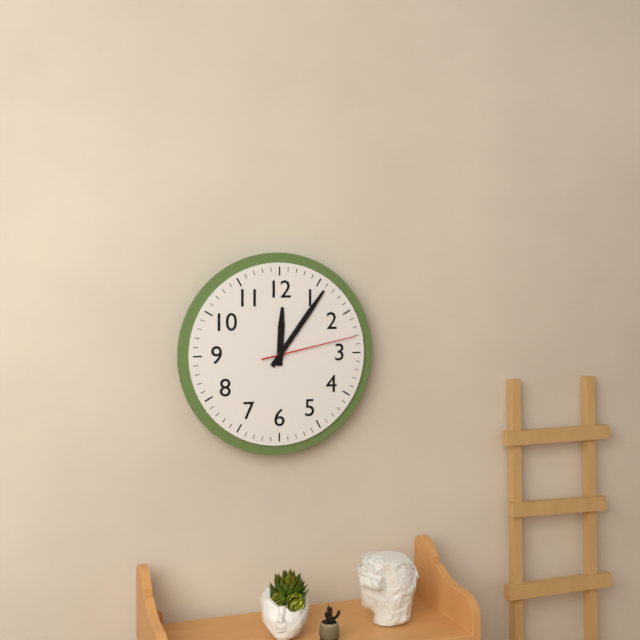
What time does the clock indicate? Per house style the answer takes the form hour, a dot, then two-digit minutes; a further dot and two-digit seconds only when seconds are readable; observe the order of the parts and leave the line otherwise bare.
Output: 12.06.13
